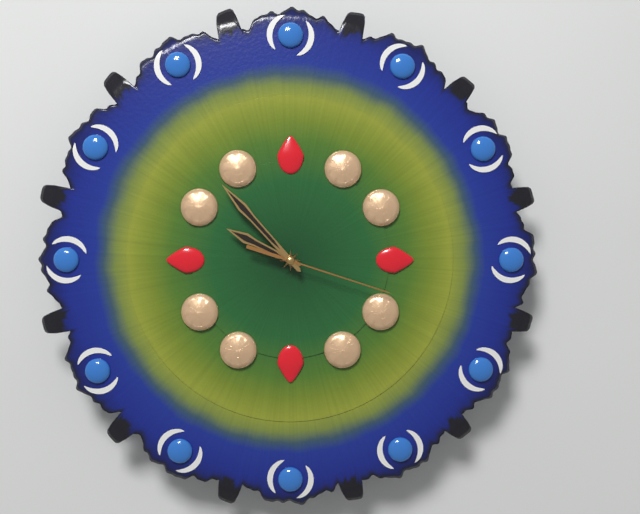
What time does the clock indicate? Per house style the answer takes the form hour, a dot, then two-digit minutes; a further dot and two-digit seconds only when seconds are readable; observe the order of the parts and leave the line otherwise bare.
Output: 9.53.18
